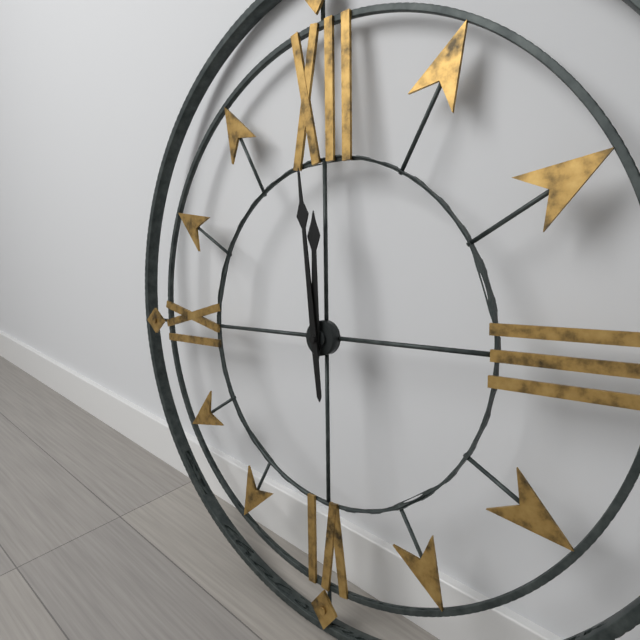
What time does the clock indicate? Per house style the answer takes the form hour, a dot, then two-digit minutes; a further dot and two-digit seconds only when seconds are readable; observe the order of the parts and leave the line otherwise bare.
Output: 11.59
